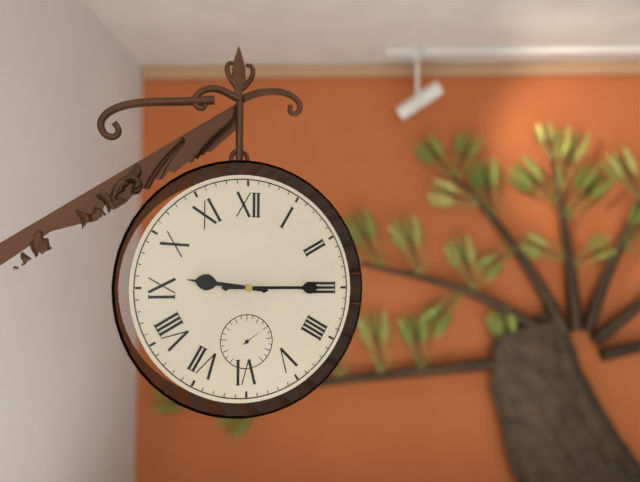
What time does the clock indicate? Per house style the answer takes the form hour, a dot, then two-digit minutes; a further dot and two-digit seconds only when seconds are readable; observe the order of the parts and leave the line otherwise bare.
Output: 9.15
